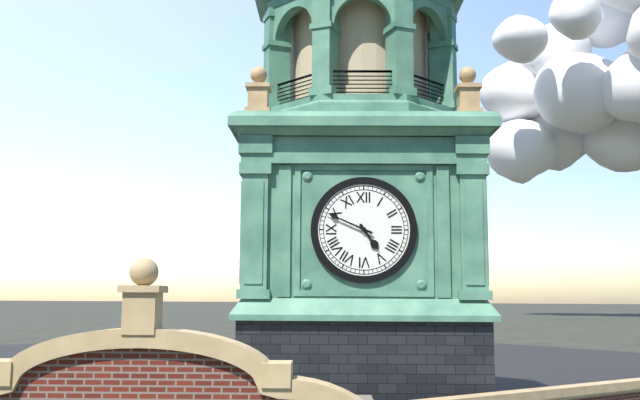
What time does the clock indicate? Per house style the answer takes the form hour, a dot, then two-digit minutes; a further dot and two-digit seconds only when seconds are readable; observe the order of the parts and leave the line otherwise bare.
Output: 4.49
